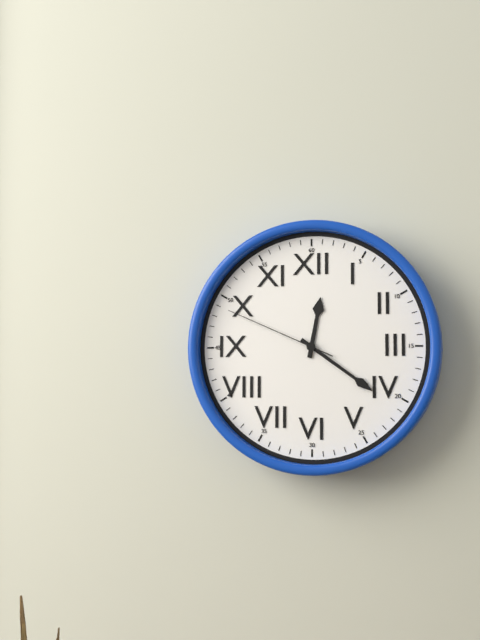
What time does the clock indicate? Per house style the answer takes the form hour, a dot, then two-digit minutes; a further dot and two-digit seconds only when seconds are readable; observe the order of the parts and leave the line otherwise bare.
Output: 12.21.49
